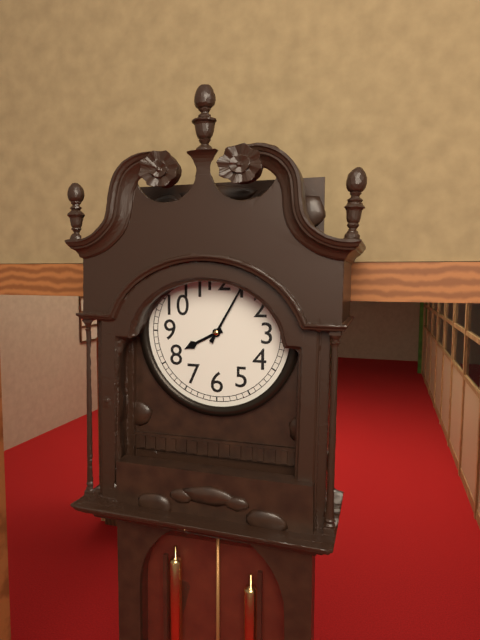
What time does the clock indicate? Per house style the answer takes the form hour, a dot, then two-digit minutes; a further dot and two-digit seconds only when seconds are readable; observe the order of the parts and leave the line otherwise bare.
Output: 8.05
